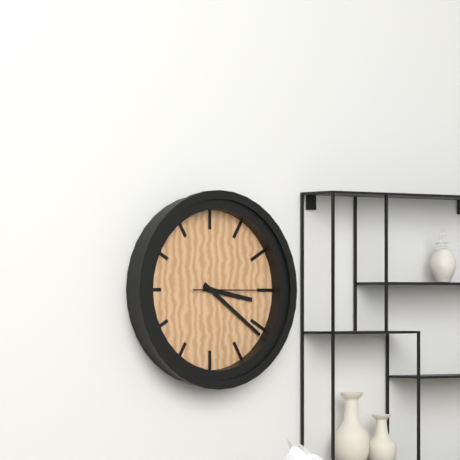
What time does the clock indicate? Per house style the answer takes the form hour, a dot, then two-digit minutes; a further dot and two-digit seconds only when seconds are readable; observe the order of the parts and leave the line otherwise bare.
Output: 3.21.15
